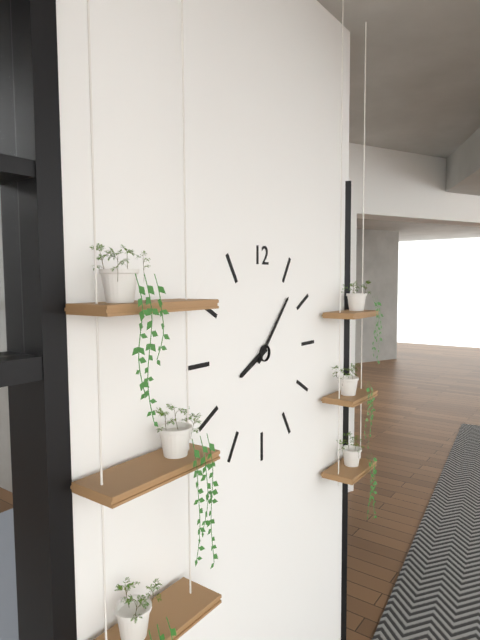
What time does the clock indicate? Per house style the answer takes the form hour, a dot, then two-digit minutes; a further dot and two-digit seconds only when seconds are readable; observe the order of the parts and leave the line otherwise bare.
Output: 8.07
